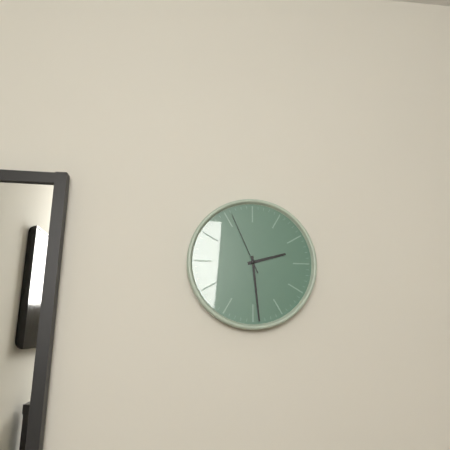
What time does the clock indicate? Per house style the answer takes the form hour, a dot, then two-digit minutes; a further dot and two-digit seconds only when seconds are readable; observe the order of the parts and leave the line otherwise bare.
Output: 2.29.56
